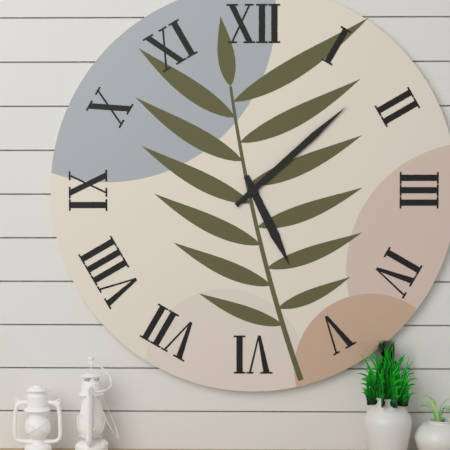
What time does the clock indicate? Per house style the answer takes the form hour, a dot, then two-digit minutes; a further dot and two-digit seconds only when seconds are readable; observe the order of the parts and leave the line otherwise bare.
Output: 5.08
